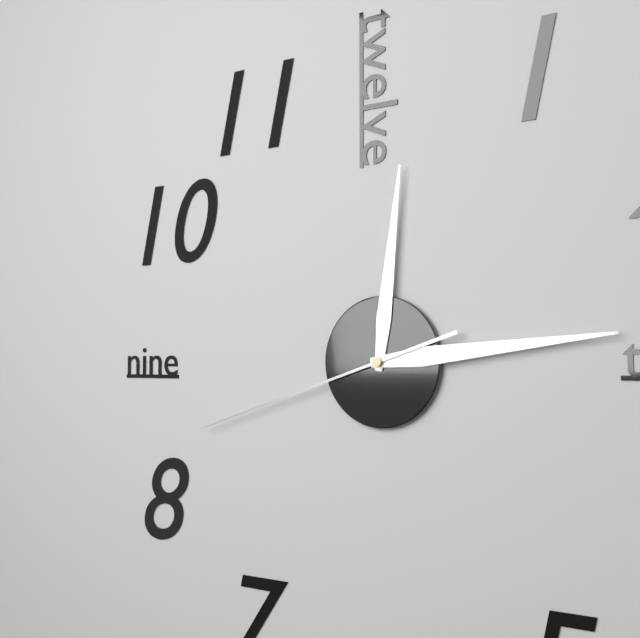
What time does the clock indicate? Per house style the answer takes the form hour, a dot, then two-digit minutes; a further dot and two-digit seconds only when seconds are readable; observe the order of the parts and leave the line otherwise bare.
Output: 12.14.42
